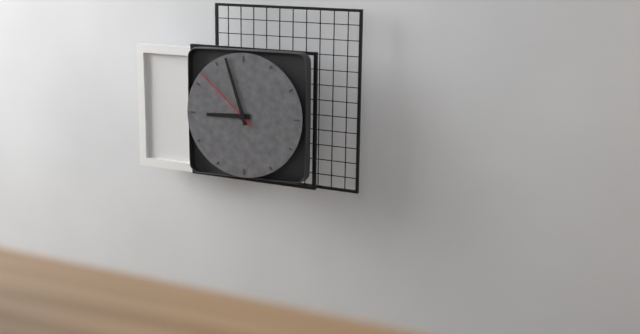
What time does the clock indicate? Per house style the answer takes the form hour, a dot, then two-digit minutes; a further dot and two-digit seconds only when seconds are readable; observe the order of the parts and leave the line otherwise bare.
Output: 8.57.52
